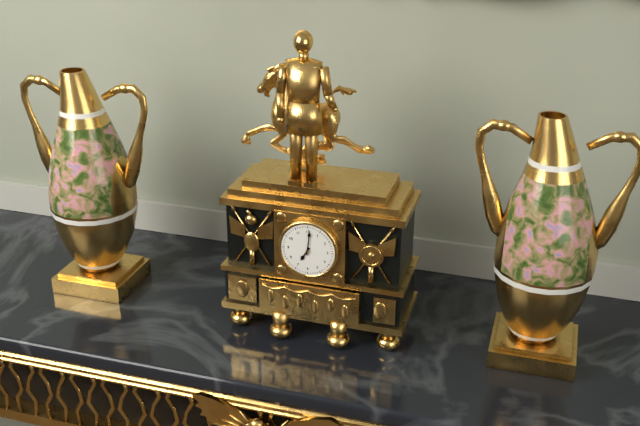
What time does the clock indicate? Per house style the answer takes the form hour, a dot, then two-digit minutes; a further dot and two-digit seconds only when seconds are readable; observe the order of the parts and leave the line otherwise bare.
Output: 7.01
